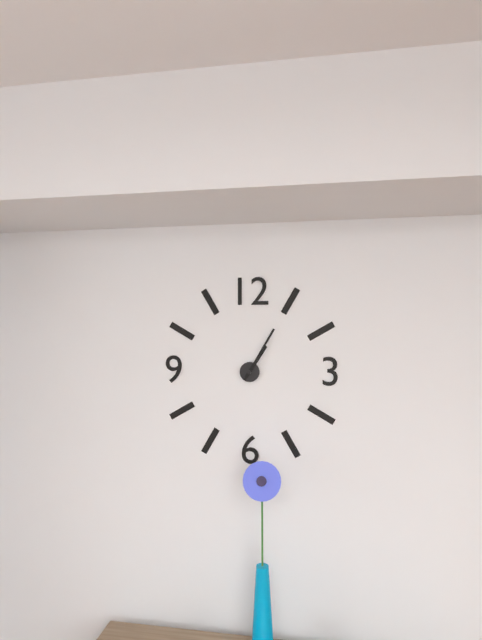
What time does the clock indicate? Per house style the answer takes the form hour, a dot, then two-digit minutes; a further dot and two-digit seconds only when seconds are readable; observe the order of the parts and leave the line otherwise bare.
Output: 1.05
